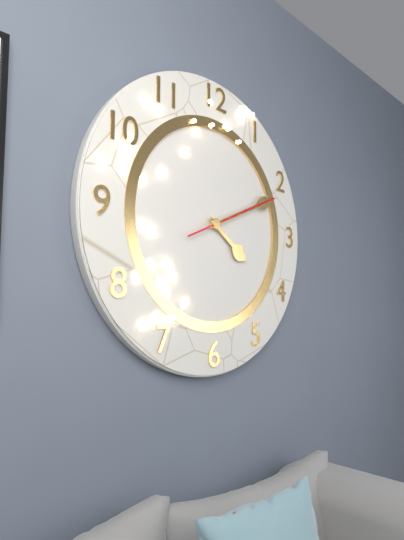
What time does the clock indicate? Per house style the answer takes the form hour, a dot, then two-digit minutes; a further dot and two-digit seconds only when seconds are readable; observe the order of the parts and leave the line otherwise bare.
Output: 4.11.11
